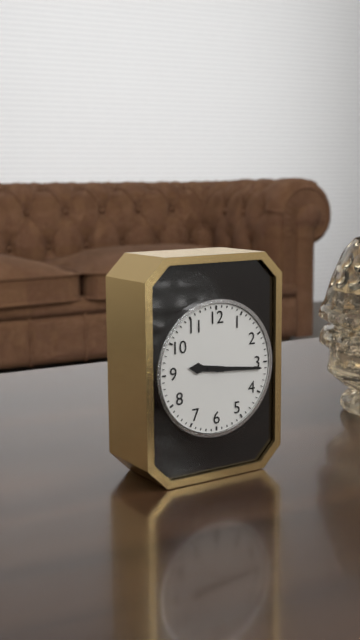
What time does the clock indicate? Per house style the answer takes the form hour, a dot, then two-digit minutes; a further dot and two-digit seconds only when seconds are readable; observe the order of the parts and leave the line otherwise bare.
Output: 9.16
